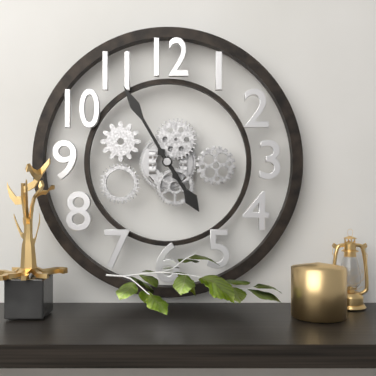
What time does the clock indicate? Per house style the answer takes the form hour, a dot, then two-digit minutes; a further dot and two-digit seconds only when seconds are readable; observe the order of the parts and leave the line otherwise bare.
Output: 4.55
